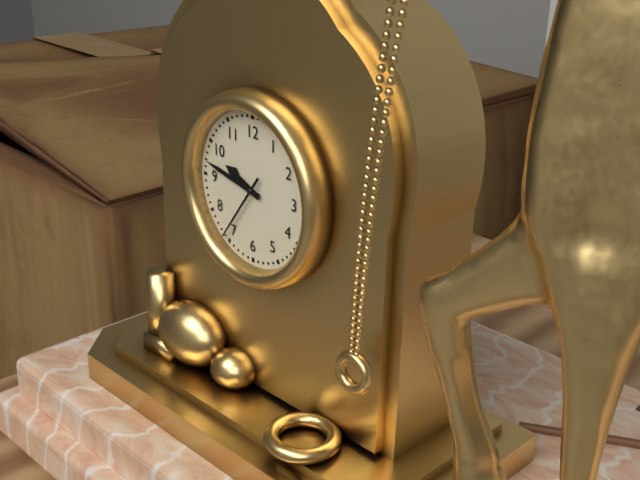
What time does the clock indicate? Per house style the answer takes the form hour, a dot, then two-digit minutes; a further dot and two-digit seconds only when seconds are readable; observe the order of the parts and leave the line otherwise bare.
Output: 9.47.36
